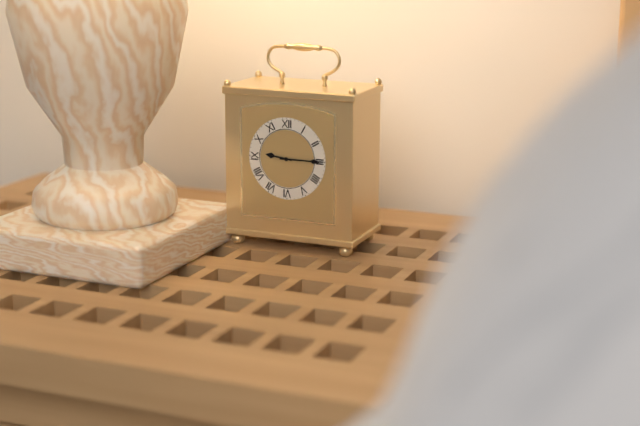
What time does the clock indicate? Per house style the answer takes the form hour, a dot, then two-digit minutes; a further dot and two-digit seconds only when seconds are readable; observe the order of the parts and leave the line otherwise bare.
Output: 9.15
